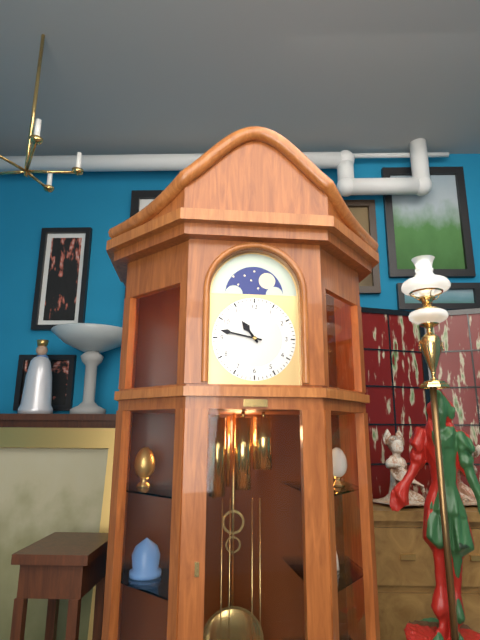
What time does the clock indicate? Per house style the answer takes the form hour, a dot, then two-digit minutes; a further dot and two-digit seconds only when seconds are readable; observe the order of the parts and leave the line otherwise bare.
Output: 10.47
